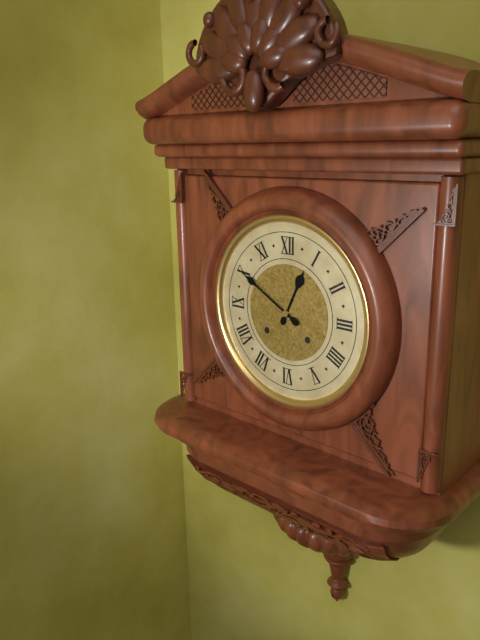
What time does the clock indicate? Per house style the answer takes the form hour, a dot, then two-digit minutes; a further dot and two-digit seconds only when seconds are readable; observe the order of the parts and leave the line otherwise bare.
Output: 12.50
